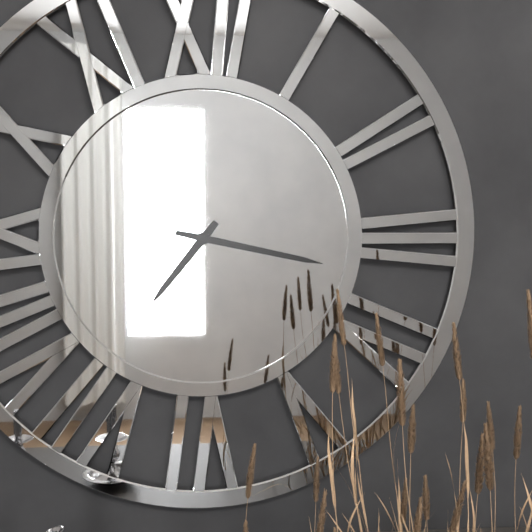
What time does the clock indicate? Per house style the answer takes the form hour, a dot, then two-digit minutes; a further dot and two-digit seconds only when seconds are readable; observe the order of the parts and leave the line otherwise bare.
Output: 7.17
